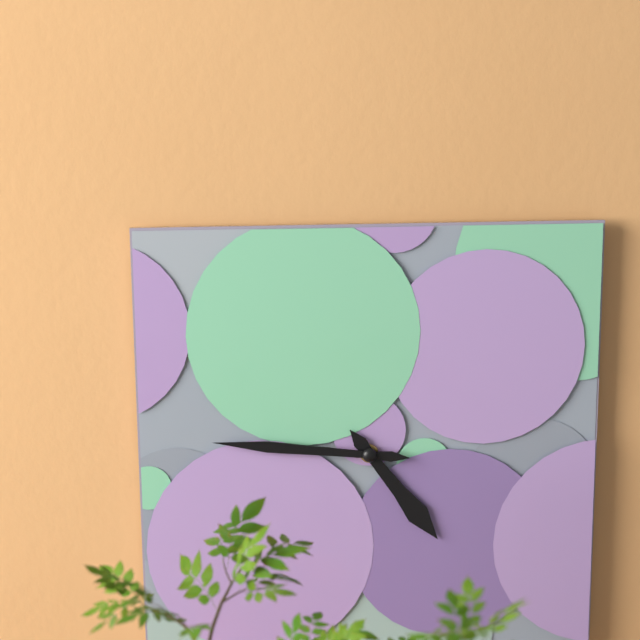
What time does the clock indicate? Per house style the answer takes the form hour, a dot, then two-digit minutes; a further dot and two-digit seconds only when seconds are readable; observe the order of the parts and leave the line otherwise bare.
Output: 4.46
